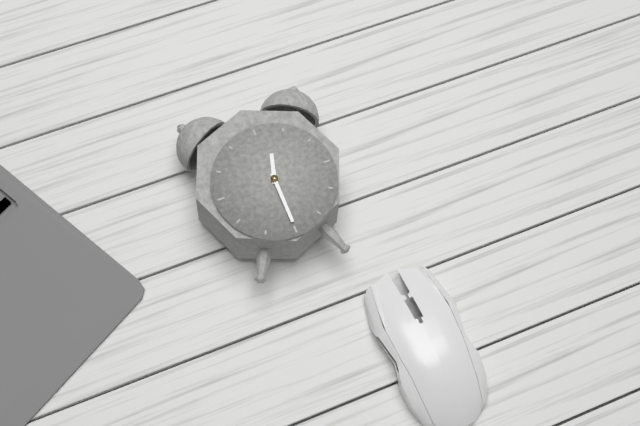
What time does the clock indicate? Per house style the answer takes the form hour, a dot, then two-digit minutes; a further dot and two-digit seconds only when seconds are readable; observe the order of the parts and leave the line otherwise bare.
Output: 12.30
